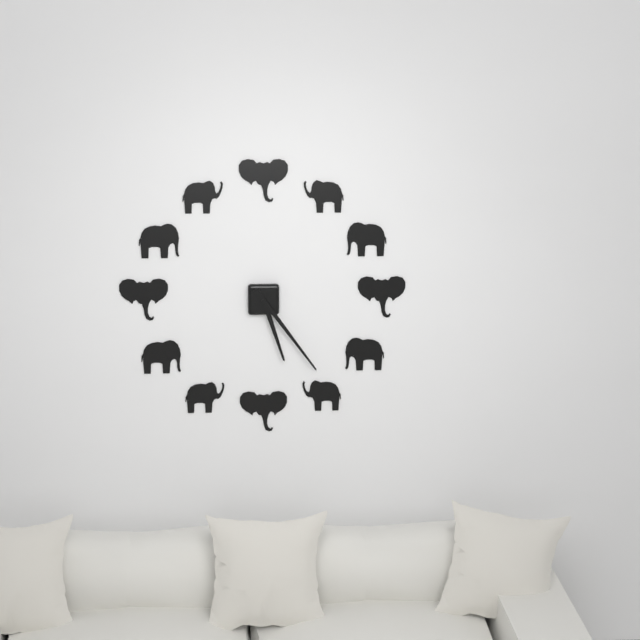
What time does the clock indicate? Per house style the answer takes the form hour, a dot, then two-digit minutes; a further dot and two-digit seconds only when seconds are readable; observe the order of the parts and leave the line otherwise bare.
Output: 5.24
